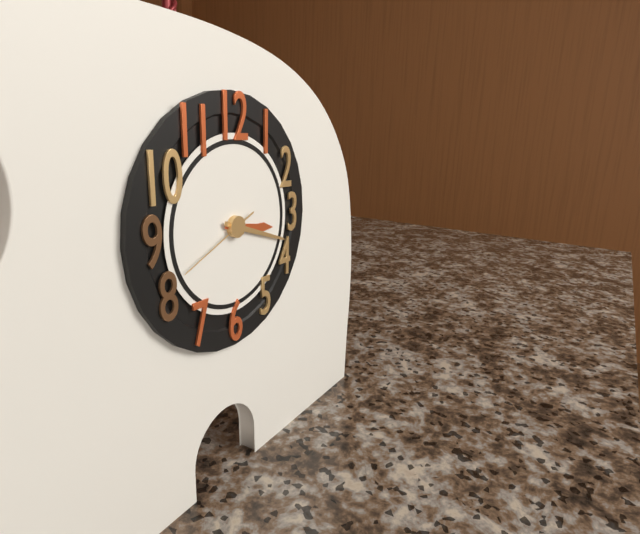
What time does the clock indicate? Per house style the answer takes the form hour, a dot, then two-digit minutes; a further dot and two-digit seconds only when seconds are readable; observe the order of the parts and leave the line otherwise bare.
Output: 3.18.41
